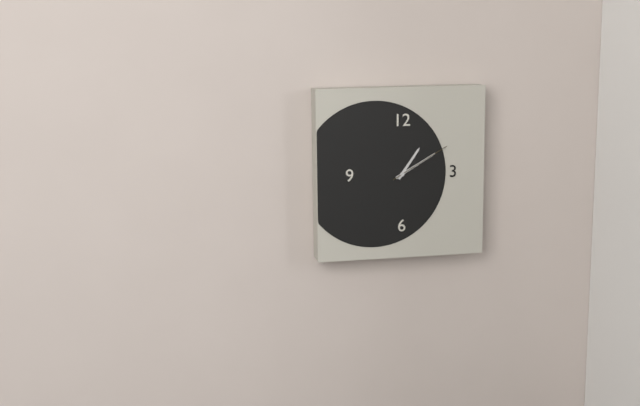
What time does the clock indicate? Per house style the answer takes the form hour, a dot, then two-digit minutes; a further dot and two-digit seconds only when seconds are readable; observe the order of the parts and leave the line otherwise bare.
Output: 1.10.10
